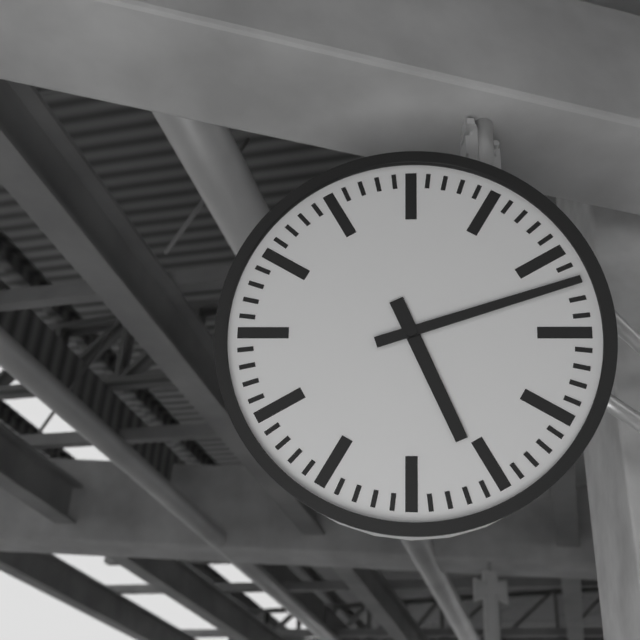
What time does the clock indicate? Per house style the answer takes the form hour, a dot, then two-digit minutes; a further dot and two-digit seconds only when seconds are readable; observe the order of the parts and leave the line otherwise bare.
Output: 5.12
